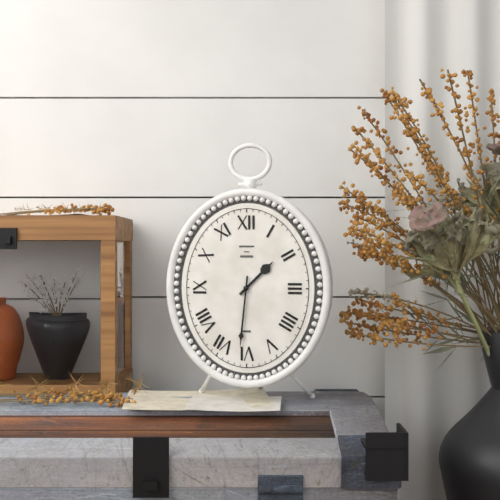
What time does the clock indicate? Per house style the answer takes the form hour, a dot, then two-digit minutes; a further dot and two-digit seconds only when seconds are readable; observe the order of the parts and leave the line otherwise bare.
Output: 1.31
